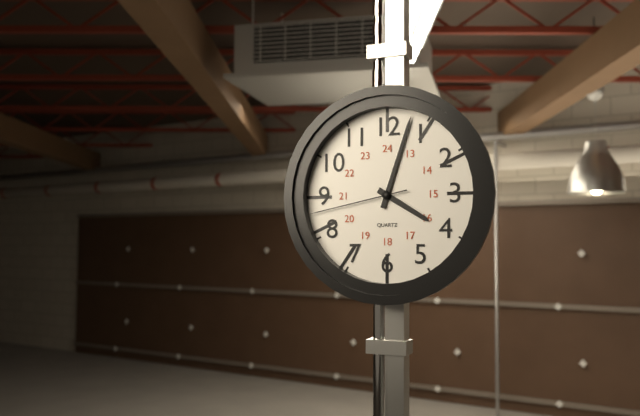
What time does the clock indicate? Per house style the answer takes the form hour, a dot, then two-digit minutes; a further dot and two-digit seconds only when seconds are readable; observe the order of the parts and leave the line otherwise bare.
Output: 4.03.43
